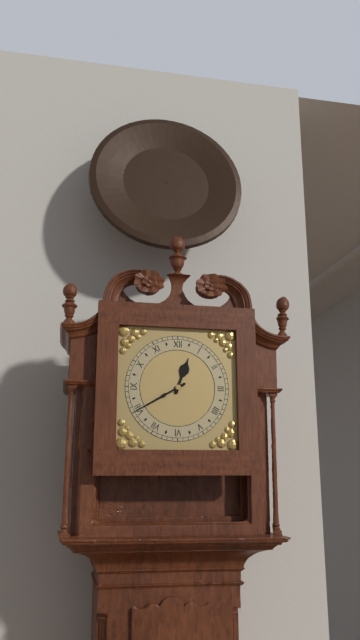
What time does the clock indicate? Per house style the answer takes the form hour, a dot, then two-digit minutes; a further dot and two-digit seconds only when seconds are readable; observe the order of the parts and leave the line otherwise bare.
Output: 12.40
